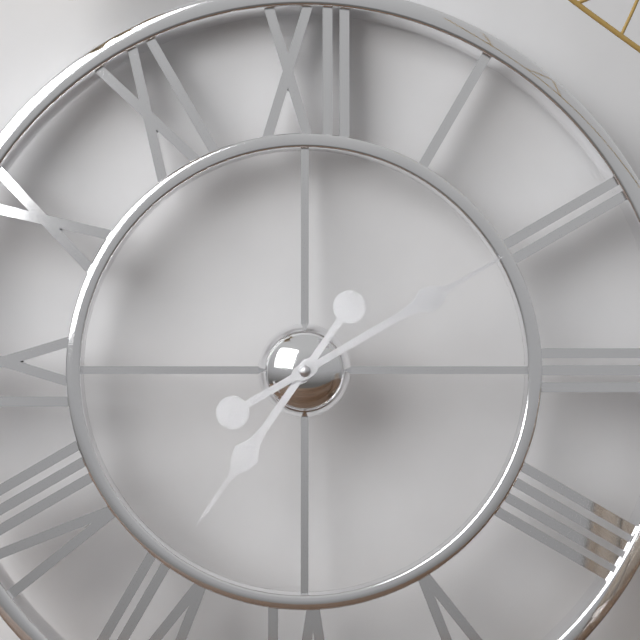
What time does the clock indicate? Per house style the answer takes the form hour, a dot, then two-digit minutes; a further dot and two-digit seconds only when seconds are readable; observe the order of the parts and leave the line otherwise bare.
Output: 7.10
